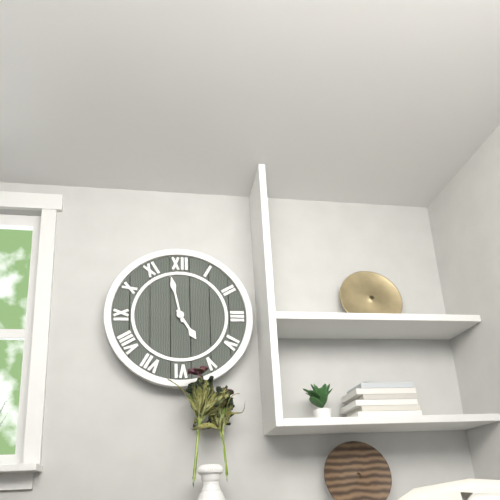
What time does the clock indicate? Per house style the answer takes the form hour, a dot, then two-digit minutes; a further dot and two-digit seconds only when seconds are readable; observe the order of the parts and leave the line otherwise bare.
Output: 4.58
